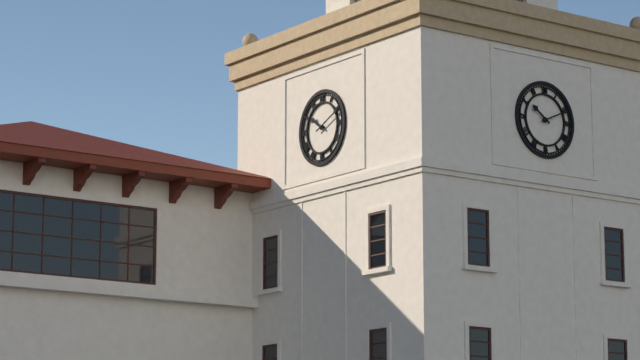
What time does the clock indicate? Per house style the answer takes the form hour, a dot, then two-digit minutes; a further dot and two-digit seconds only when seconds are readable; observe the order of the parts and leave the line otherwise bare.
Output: 10.11
